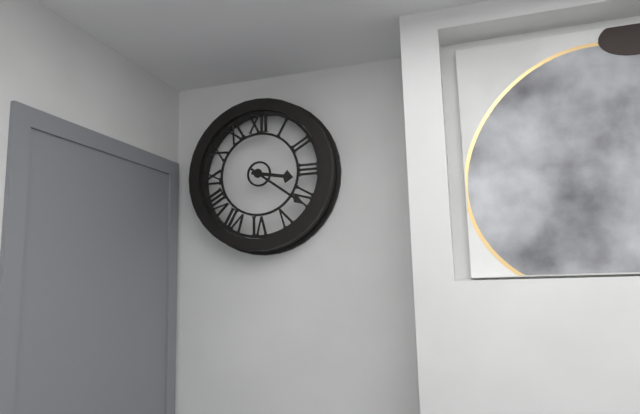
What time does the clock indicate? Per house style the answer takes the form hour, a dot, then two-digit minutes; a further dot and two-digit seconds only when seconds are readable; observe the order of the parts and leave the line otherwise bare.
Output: 3.21
